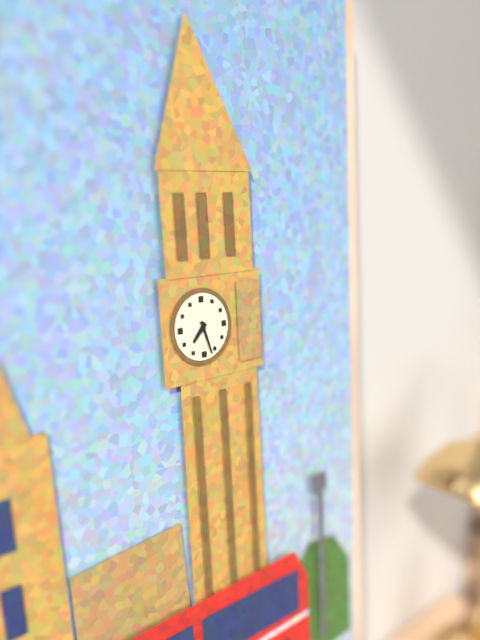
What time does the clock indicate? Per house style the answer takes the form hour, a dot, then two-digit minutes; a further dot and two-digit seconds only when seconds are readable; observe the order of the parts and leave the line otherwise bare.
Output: 7.27
